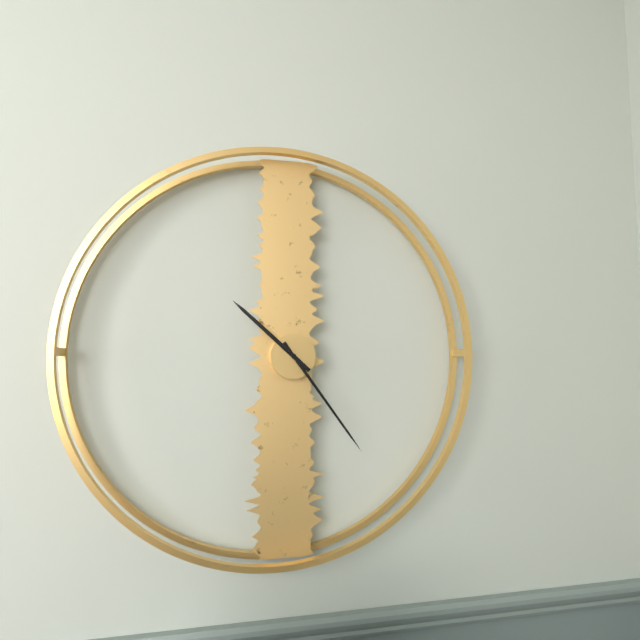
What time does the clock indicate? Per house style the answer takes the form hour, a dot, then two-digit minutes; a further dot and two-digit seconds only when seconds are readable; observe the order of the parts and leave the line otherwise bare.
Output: 10.24
